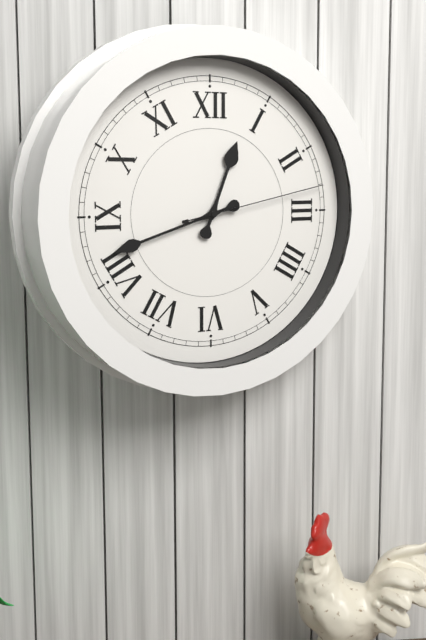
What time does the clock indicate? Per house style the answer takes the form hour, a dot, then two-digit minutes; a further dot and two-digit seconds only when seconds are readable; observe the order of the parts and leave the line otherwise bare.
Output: 12.42.13
